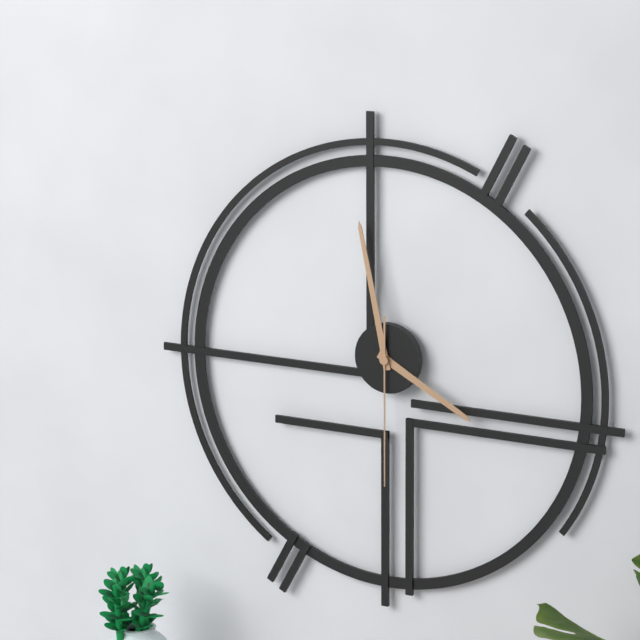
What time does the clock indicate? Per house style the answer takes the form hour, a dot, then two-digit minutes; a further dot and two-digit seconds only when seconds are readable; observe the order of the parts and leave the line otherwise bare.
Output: 3.58.30
